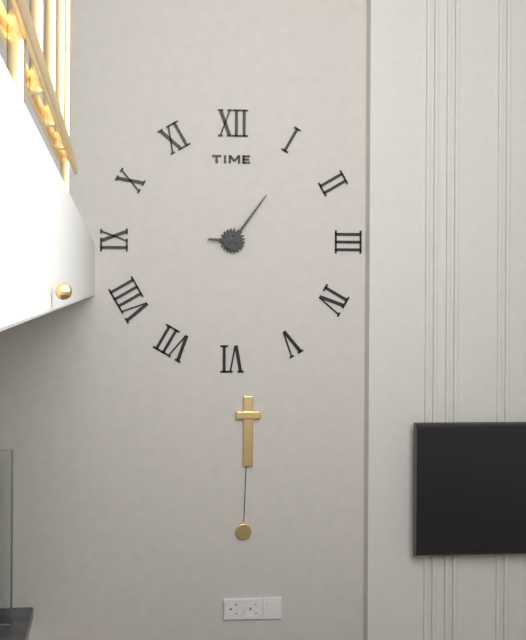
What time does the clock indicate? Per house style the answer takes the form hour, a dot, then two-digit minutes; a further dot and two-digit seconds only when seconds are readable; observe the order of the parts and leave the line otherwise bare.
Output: 9.06
